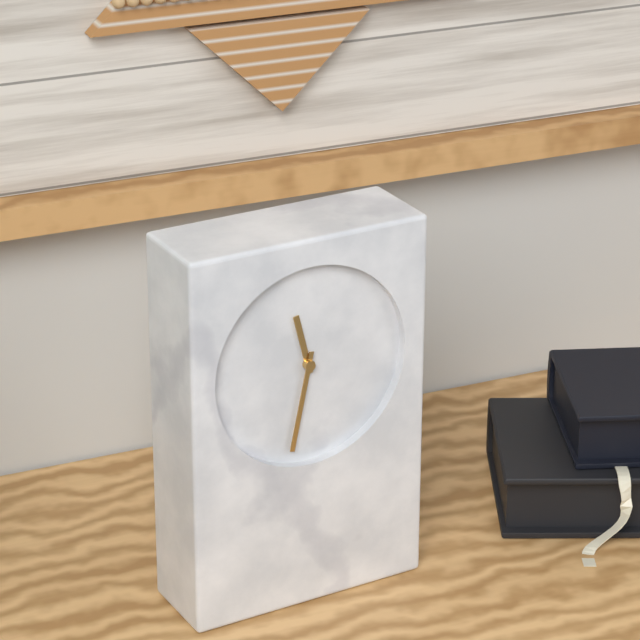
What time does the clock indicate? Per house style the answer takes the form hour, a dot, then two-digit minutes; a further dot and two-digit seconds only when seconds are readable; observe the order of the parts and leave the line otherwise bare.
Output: 11.32
